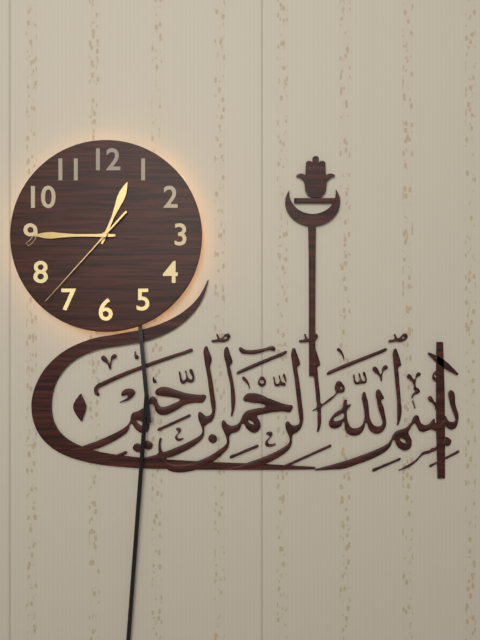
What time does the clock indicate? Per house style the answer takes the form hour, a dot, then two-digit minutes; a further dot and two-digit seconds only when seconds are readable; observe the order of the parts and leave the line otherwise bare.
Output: 12.45.37
